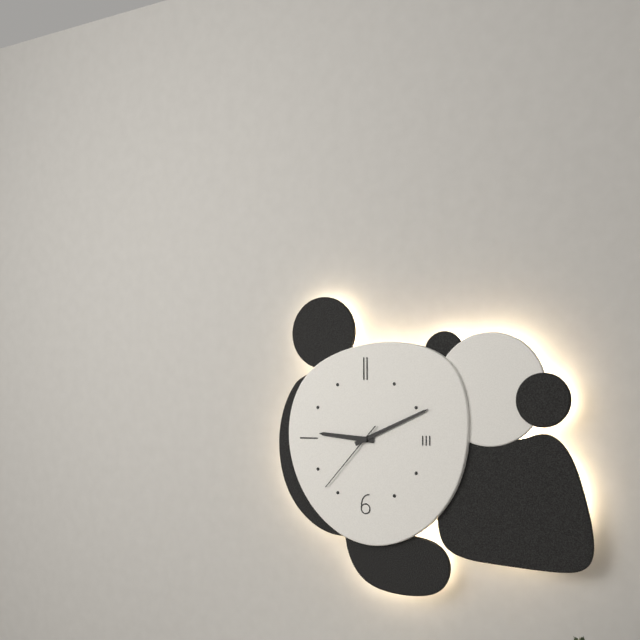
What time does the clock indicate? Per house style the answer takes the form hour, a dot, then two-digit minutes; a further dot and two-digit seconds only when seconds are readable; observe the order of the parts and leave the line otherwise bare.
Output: 9.11.37
